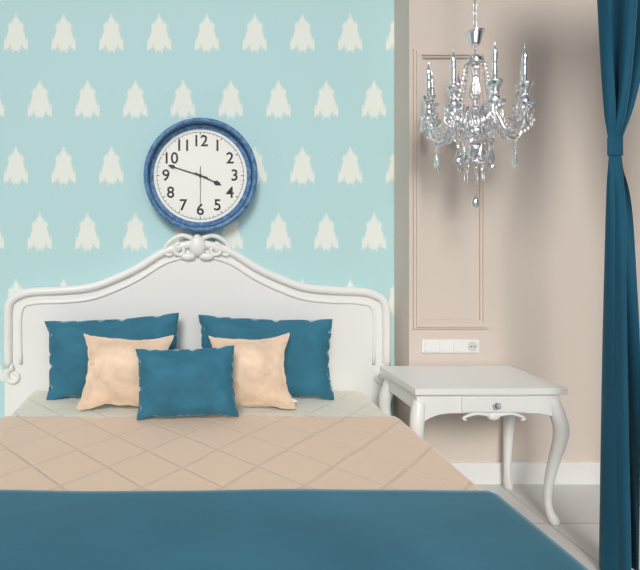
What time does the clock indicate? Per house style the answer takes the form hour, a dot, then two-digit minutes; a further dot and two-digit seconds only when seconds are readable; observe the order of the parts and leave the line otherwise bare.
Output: 3.48
